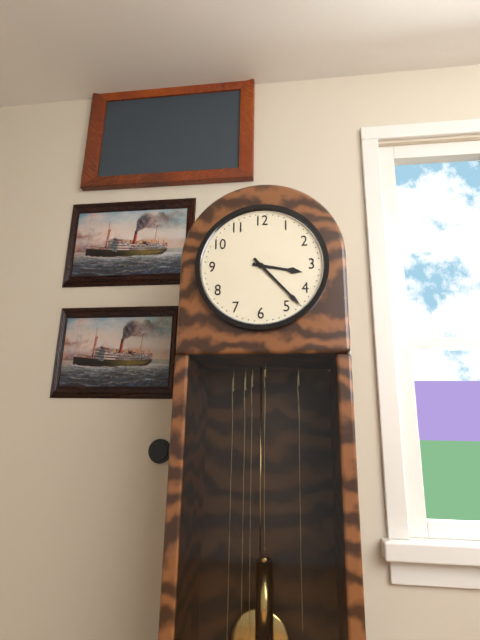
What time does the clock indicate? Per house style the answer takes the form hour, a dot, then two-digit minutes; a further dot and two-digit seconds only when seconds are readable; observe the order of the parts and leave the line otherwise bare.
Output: 3.23
